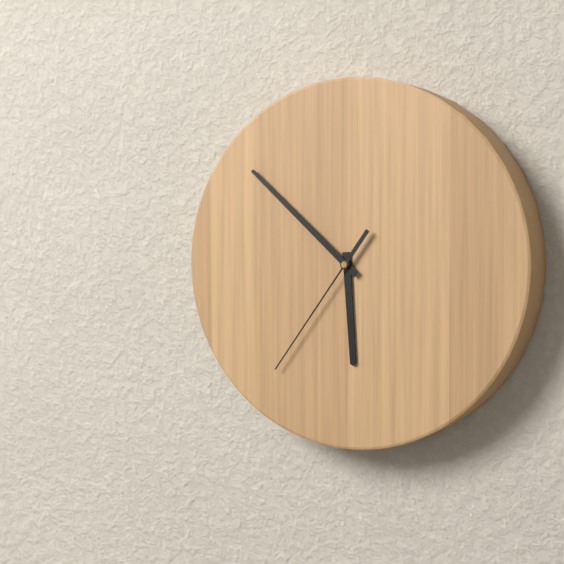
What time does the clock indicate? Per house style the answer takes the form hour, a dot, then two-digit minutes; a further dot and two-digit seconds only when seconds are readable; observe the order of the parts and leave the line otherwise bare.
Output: 5.52.36
